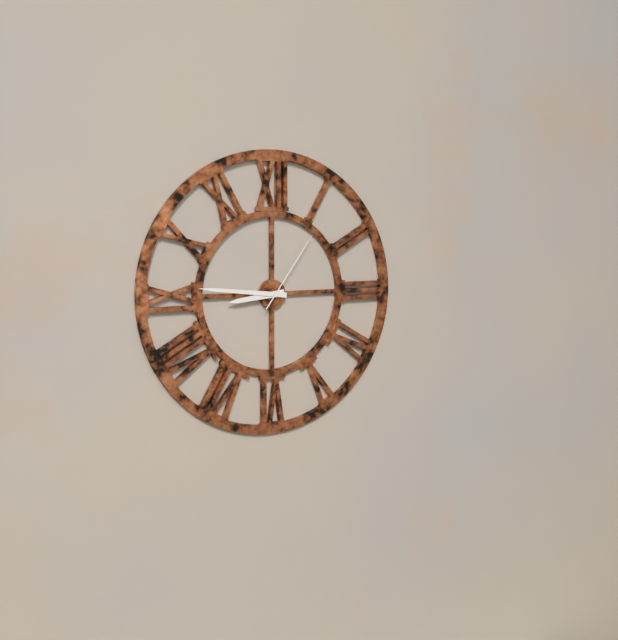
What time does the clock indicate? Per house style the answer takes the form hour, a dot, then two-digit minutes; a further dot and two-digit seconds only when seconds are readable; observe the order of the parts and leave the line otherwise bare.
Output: 8.46.06
